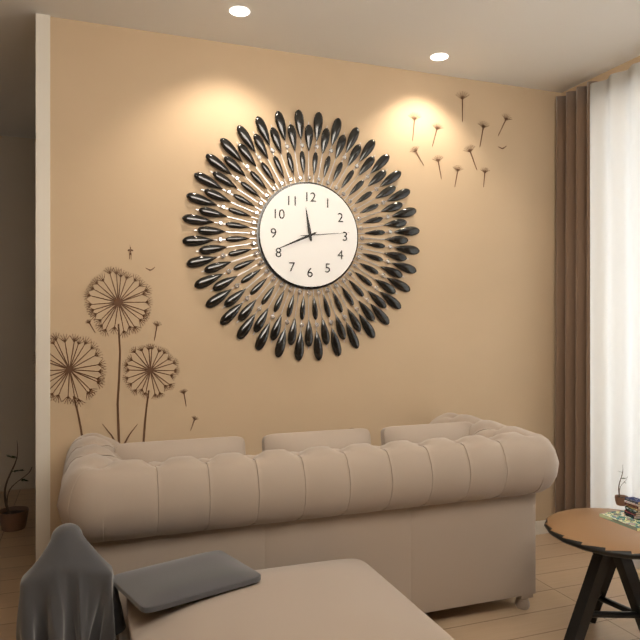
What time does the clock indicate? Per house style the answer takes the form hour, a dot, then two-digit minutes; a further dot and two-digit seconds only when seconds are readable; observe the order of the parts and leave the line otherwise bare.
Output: 11.41.14
